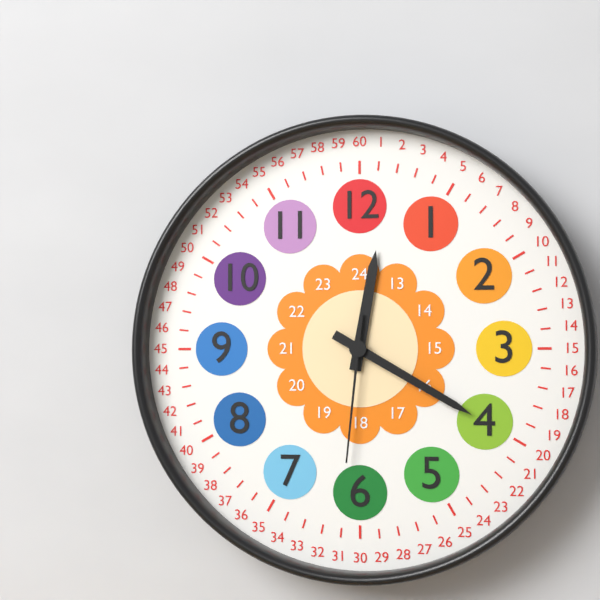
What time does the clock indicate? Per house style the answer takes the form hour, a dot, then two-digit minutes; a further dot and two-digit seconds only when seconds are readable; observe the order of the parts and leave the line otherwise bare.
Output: 12.20.31
